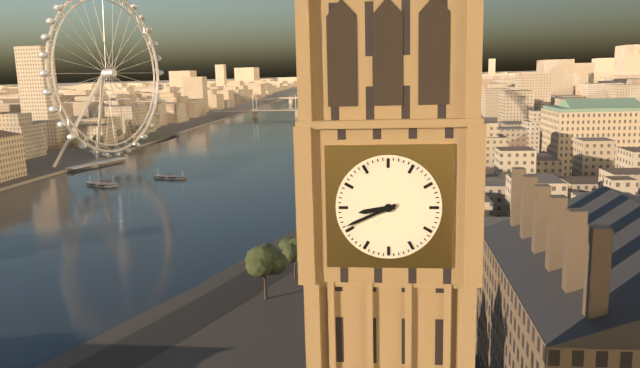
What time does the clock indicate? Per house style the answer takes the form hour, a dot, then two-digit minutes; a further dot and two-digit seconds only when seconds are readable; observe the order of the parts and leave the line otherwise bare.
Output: 8.41
